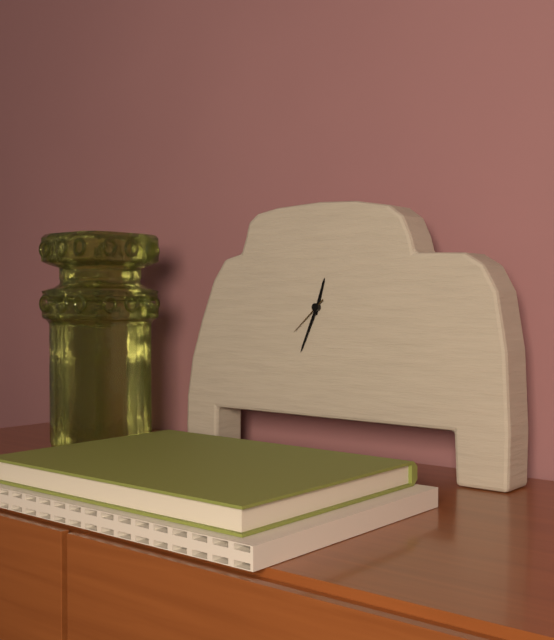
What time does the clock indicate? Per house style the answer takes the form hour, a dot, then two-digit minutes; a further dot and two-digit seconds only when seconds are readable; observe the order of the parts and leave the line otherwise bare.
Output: 12.34
